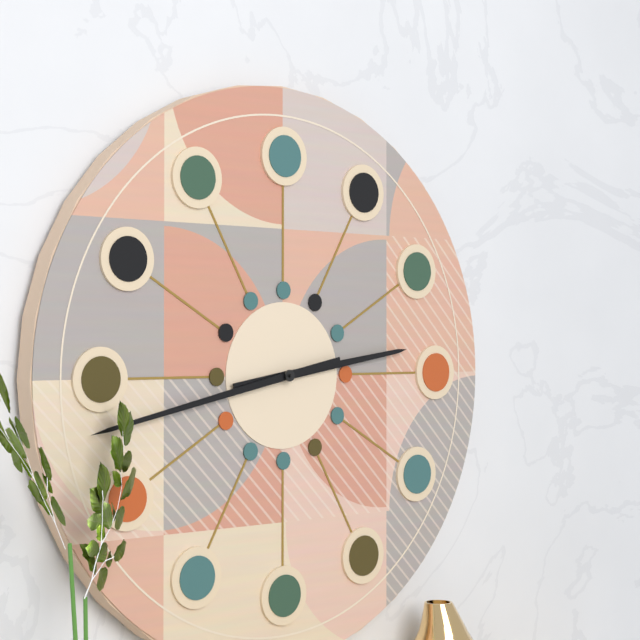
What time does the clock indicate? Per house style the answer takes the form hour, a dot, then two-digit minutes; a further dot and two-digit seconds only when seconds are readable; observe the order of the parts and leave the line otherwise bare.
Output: 2.43
